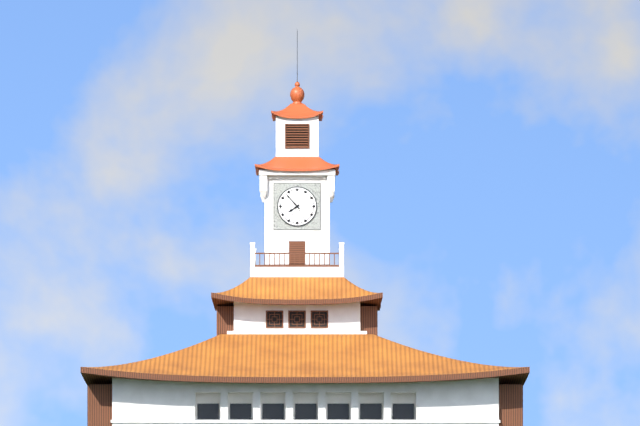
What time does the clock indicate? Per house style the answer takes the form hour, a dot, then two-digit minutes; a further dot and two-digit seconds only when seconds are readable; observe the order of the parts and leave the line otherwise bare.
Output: 7.53
